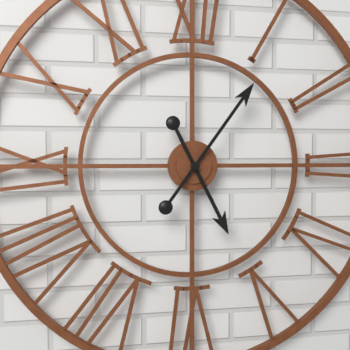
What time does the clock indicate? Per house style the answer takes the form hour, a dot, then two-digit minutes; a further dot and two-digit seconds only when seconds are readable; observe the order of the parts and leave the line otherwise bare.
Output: 5.06
